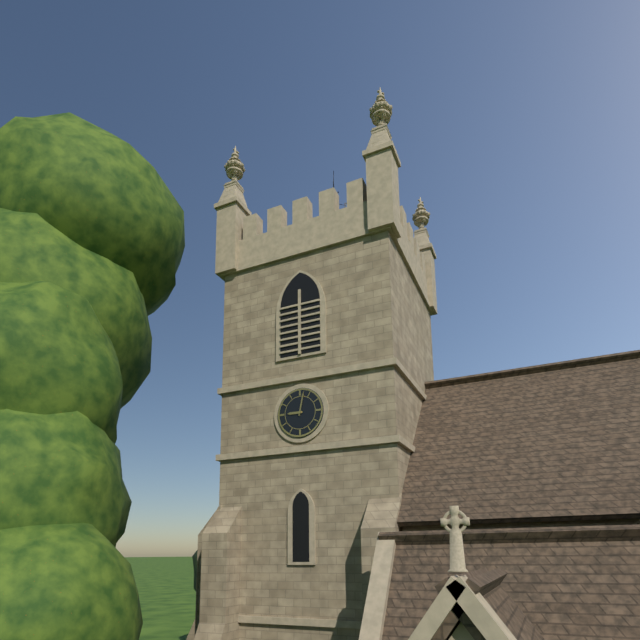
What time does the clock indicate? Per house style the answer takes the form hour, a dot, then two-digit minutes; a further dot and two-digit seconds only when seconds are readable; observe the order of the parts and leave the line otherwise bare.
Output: 9.02
